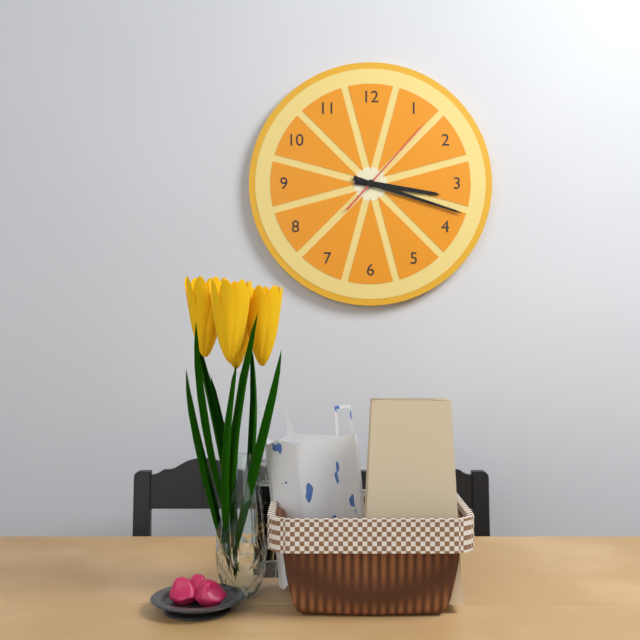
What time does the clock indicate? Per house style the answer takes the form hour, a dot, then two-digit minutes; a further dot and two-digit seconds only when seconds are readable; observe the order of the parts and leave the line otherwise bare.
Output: 3.18.07
